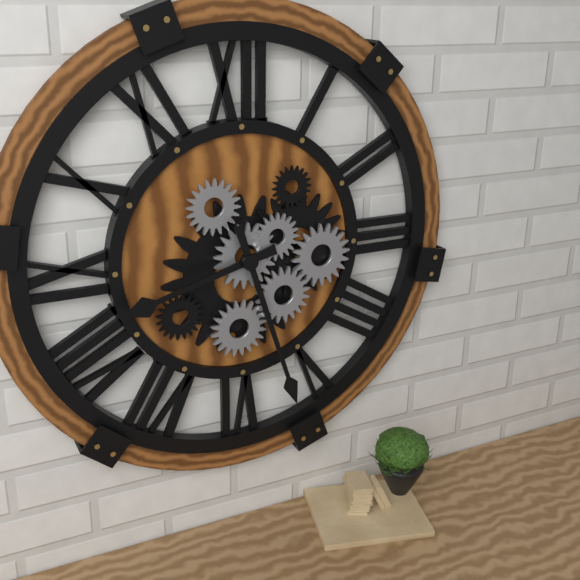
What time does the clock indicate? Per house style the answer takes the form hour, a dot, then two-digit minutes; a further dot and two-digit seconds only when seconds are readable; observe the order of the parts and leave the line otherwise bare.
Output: 8.27
